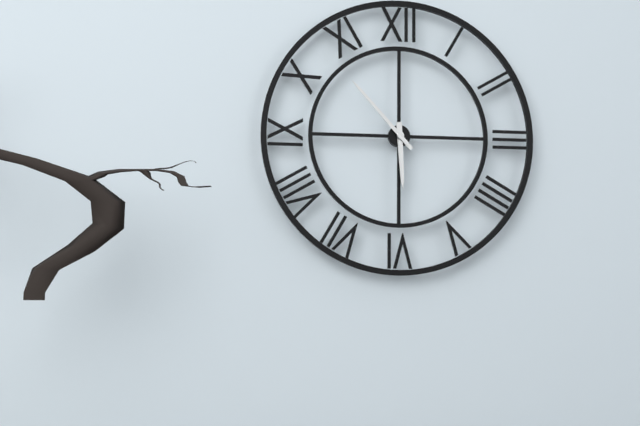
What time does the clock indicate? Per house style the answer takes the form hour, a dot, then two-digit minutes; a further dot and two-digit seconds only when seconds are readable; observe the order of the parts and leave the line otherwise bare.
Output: 5.53
